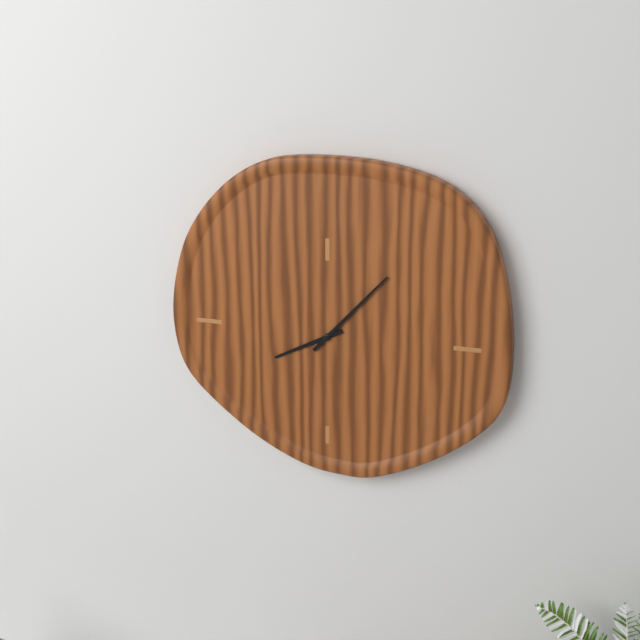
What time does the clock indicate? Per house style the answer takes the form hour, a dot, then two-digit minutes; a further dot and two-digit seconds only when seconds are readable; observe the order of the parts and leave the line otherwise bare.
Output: 8.07
